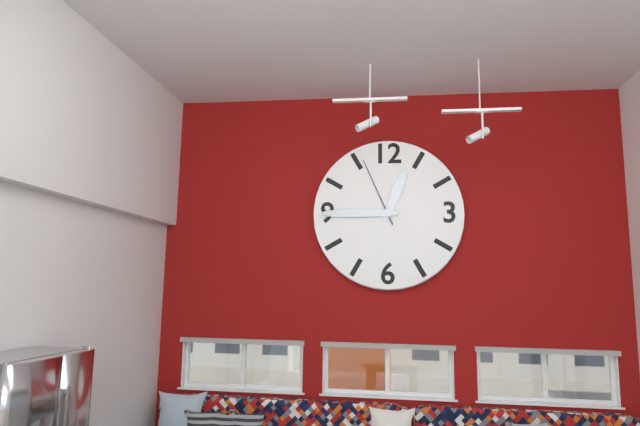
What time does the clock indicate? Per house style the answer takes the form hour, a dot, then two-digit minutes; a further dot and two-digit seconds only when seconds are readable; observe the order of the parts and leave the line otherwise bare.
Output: 12.45.56
